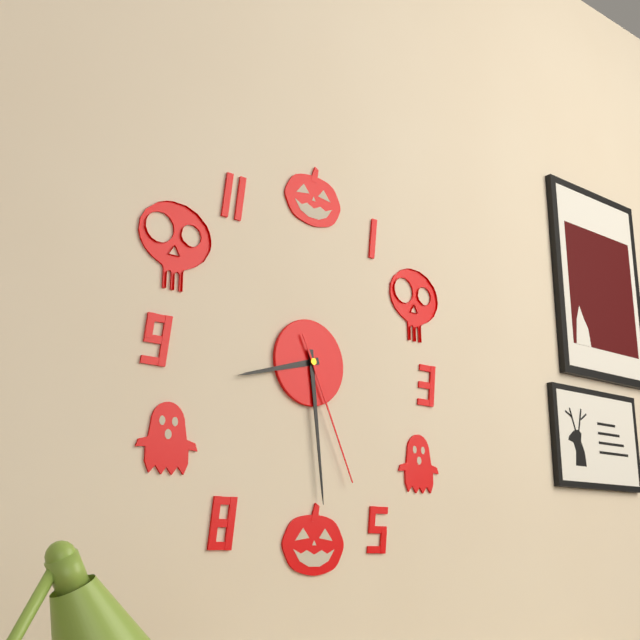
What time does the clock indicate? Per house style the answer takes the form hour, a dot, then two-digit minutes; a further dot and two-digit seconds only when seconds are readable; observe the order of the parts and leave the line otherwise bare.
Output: 8.29.26
